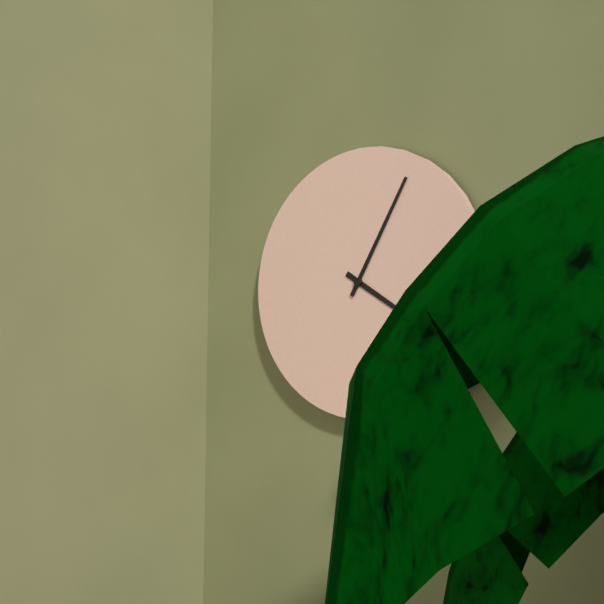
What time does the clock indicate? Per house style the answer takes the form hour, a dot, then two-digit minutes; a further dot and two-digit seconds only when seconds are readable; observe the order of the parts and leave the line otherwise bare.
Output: 4.05
